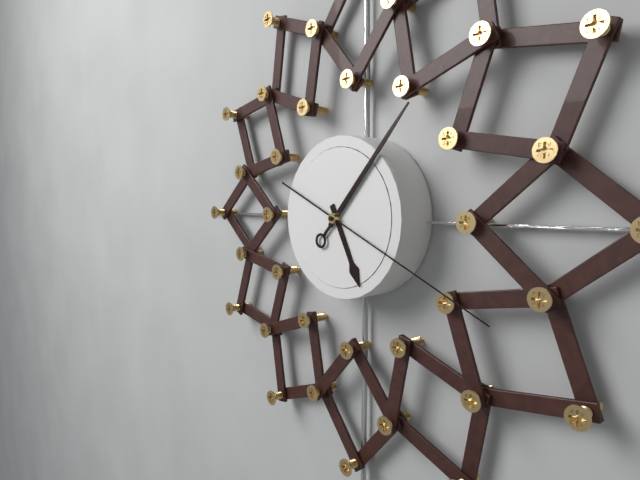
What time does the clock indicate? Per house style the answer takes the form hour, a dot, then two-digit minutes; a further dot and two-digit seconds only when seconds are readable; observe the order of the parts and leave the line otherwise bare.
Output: 5.07.19
